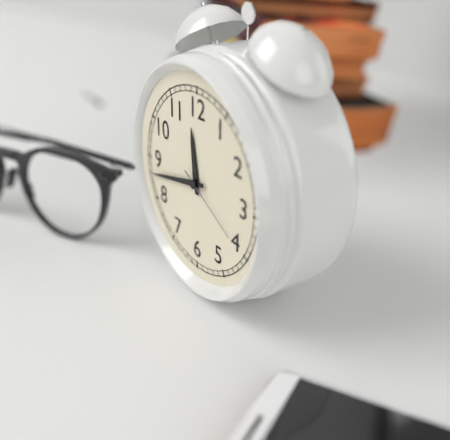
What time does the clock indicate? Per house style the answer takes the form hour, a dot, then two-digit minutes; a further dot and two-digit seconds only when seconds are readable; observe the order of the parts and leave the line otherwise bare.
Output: 11.43.20
